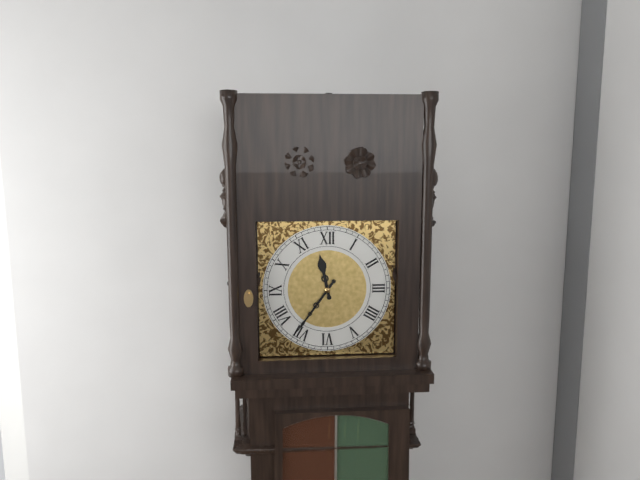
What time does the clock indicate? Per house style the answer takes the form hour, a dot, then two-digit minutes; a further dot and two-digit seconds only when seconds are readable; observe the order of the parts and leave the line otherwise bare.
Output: 11.36
